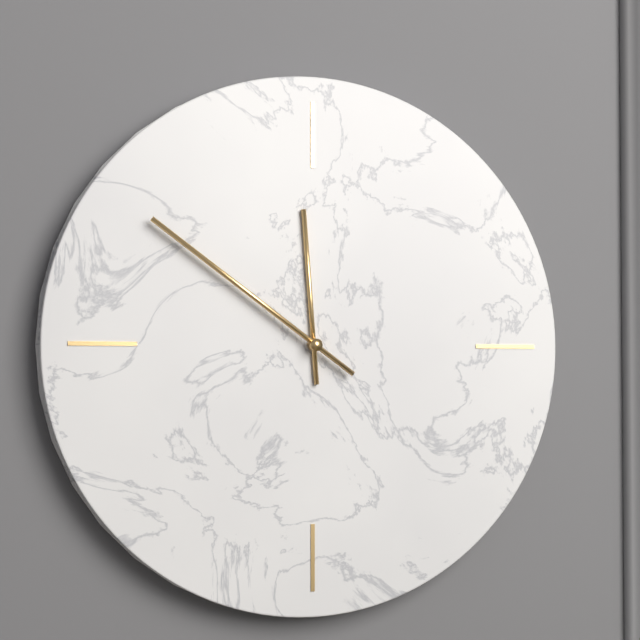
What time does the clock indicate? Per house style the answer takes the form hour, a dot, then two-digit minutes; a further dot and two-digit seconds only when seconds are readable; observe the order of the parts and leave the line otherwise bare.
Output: 11.51
